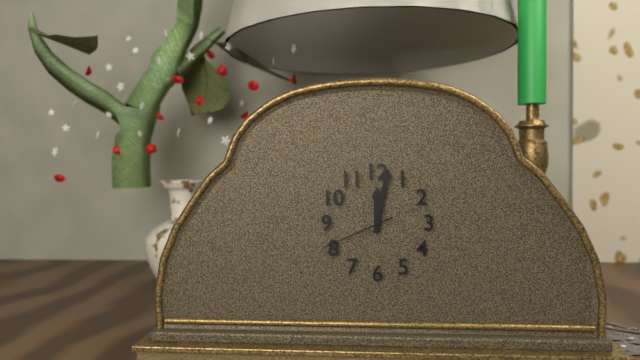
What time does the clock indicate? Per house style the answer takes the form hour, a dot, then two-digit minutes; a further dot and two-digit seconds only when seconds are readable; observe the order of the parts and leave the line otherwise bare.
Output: 12.02.41
